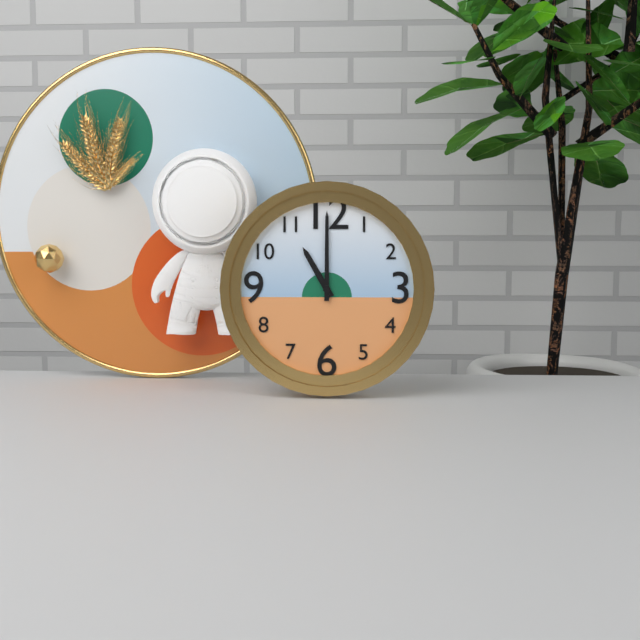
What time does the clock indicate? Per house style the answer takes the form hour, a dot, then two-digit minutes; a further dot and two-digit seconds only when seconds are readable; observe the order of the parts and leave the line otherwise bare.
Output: 11.00
